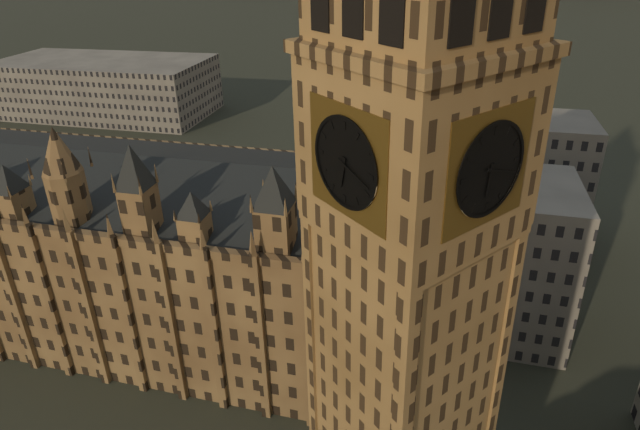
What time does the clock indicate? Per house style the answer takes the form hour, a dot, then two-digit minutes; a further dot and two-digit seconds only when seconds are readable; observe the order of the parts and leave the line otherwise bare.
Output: 6.18
